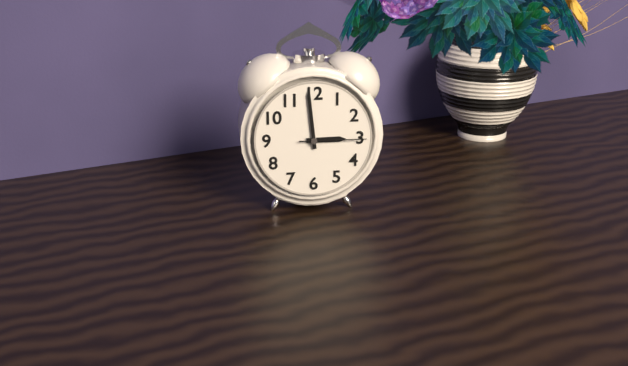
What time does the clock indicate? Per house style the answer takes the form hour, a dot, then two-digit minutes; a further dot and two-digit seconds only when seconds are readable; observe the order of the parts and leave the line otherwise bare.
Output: 2.59.15
